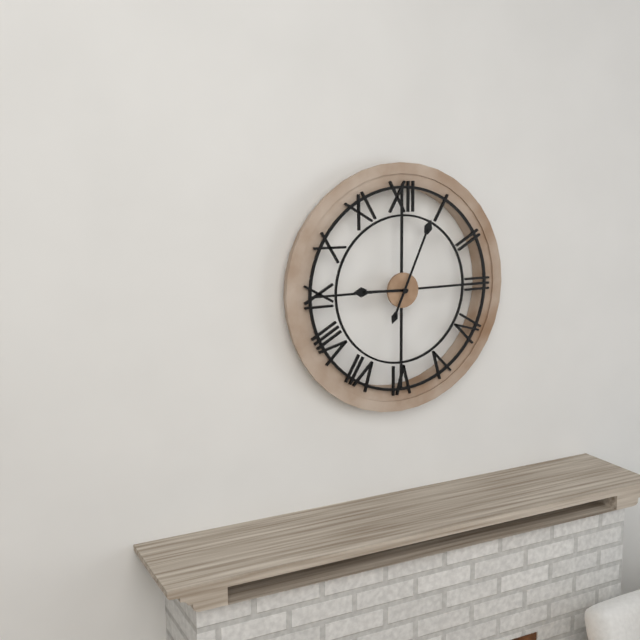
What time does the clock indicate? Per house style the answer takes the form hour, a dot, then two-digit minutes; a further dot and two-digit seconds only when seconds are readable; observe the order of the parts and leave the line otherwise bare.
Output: 9.04
